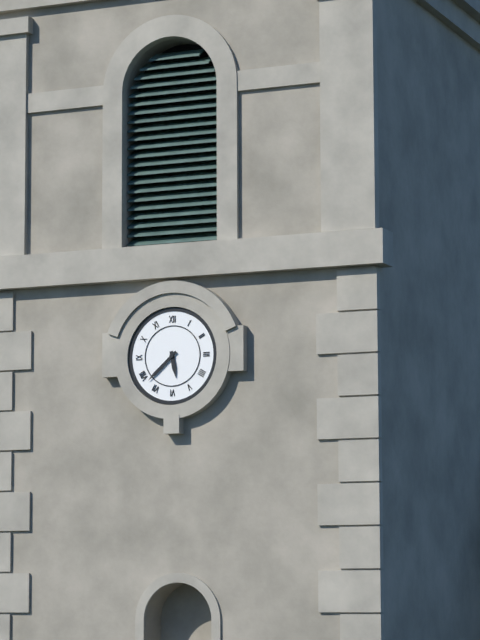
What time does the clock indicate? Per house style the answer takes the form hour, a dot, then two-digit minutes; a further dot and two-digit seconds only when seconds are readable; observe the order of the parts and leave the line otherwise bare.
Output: 5.38
